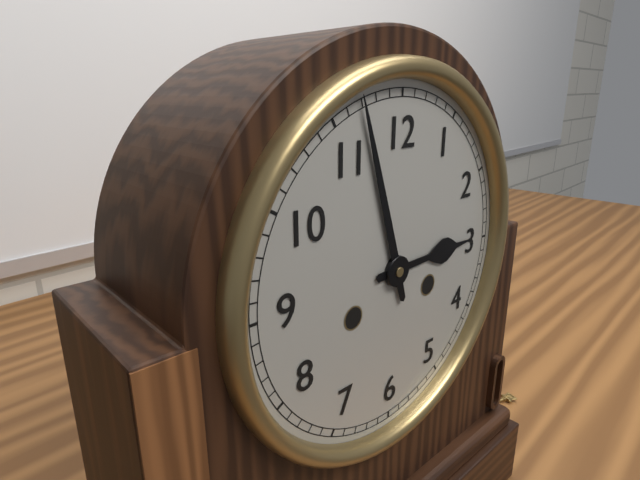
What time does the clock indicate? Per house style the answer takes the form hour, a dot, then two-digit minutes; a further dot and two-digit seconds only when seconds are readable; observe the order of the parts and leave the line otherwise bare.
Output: 2.57
